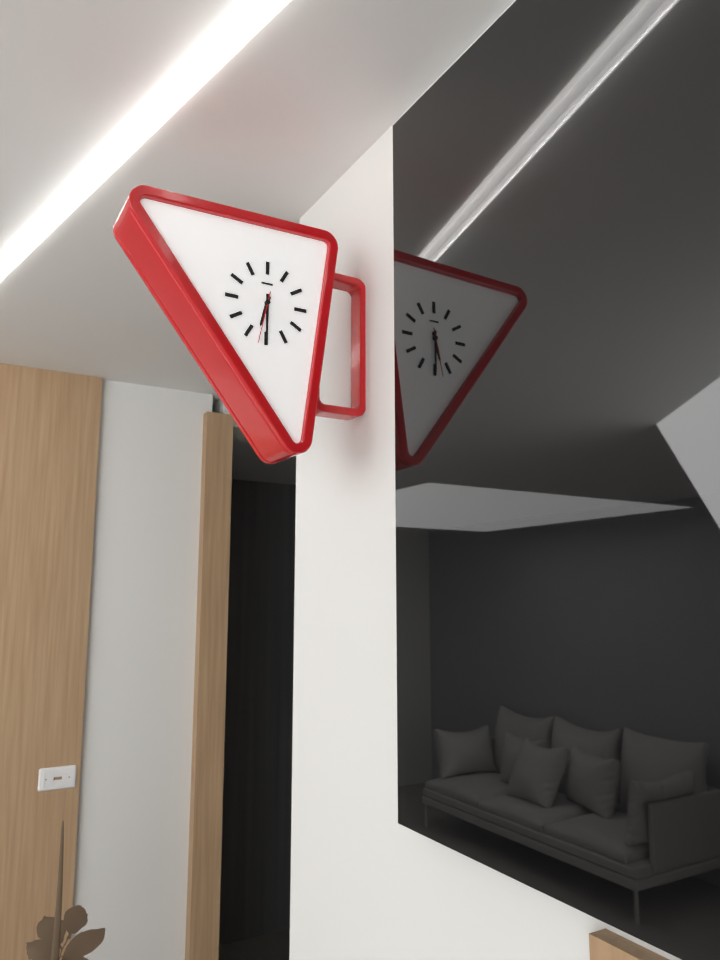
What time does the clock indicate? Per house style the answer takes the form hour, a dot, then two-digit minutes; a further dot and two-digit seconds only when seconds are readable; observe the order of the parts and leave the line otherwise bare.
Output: 6.30.32
